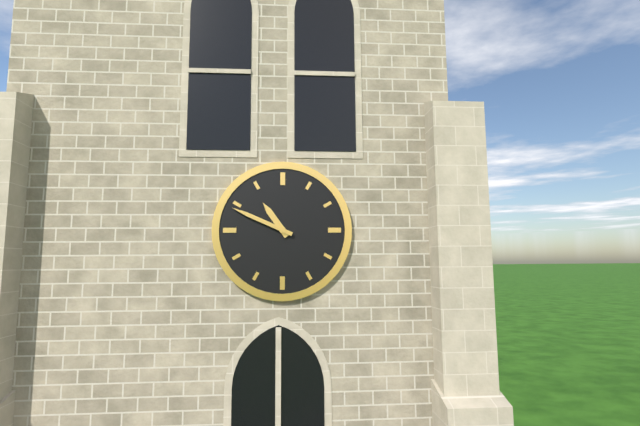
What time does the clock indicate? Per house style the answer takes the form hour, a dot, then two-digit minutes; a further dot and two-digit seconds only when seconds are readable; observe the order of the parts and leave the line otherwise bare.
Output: 10.49
